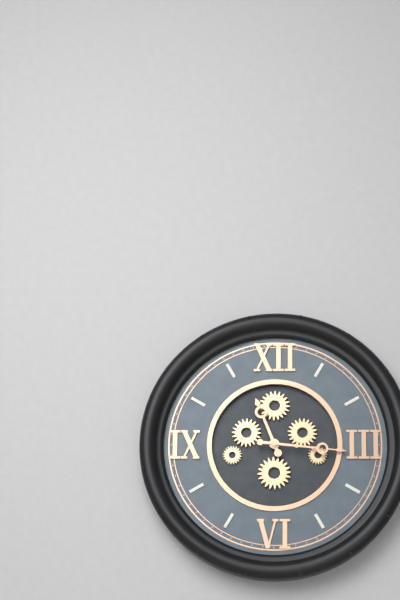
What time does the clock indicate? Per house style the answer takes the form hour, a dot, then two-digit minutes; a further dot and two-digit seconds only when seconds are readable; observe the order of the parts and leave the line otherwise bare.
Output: 11.16
